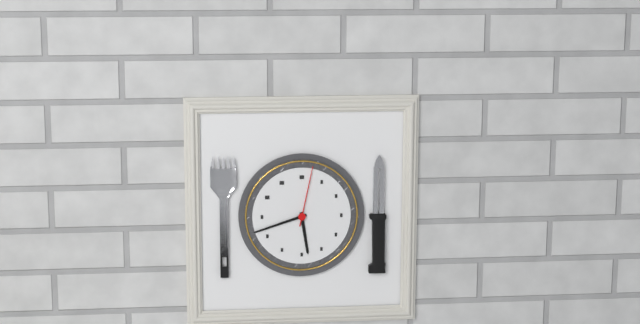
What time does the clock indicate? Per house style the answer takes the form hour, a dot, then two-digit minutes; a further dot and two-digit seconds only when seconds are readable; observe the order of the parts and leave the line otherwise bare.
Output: 5.42.02
